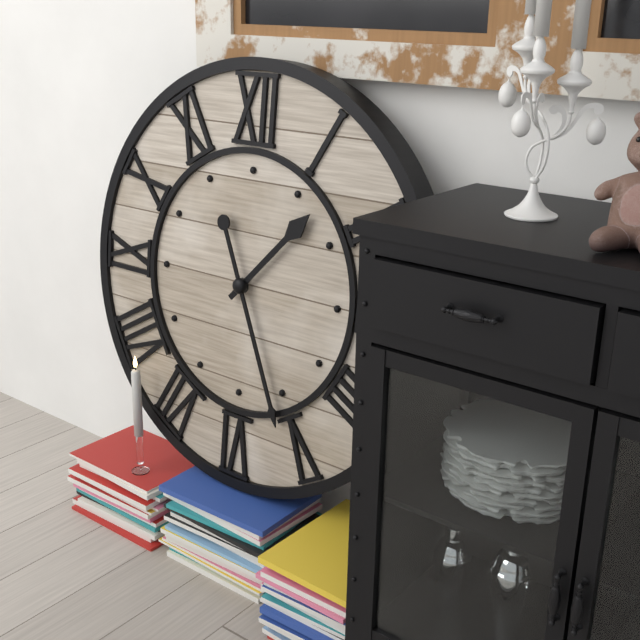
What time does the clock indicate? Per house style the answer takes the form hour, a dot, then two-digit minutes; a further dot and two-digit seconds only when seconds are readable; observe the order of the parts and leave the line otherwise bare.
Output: 1.26
